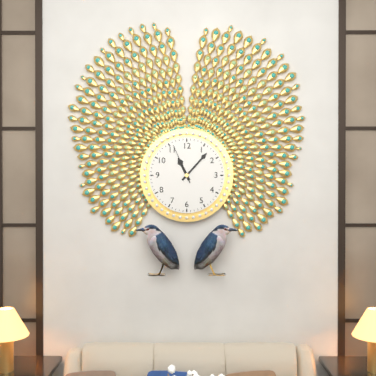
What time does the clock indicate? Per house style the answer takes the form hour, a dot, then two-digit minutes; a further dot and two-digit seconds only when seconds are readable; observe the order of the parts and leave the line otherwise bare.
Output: 11.07
